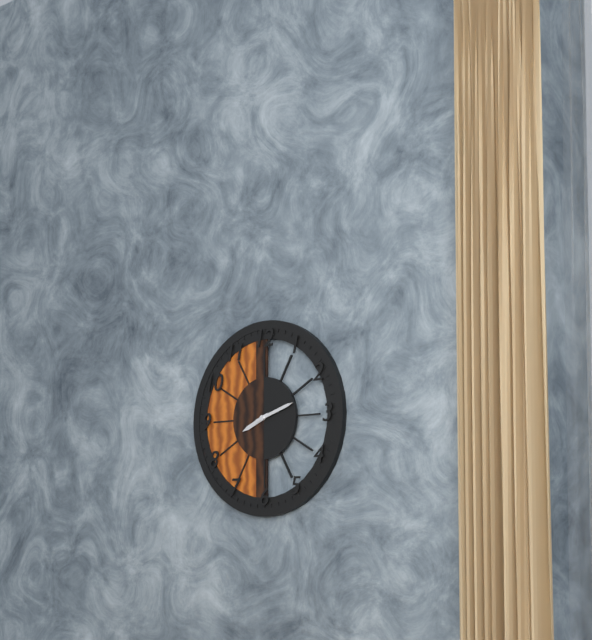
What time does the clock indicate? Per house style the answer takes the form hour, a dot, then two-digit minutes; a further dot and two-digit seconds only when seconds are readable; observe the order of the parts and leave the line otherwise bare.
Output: 8.12
